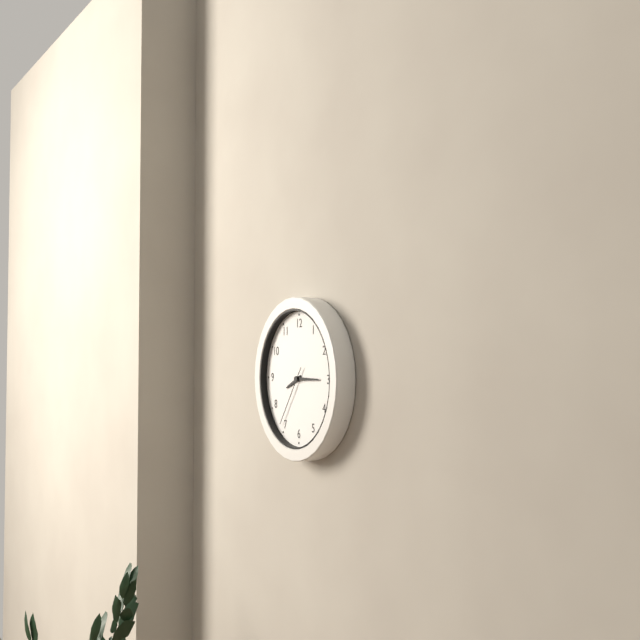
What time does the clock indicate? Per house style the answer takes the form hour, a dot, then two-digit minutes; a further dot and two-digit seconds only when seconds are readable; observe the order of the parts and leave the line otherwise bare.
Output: 8.15.36
